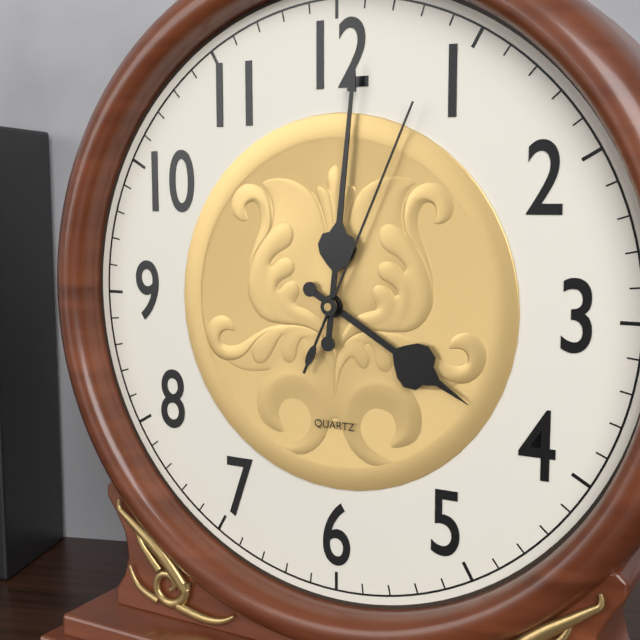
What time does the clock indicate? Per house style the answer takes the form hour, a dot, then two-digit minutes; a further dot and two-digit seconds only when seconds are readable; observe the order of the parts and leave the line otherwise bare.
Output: 4.01.04
